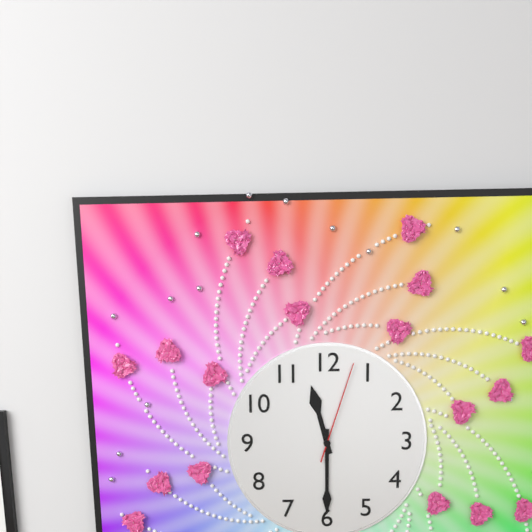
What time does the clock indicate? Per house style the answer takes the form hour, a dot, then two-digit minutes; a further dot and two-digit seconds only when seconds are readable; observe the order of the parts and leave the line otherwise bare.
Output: 11.30.03
